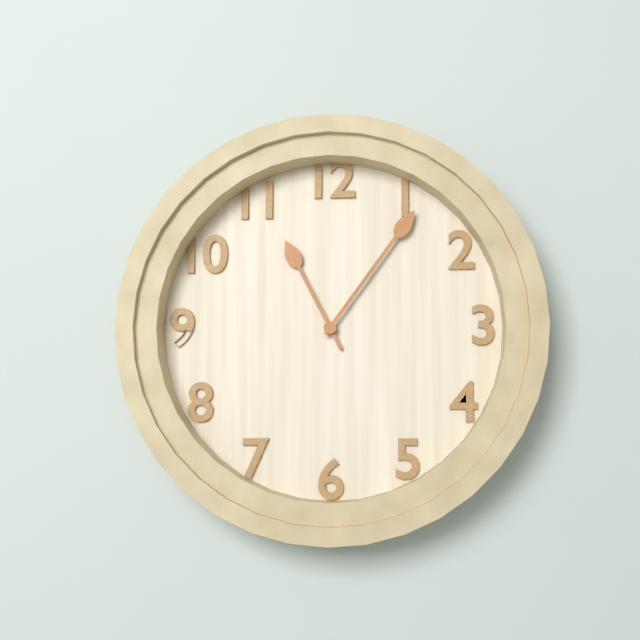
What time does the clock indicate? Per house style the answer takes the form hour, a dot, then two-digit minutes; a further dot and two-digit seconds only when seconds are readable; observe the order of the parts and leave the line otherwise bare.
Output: 11.06
